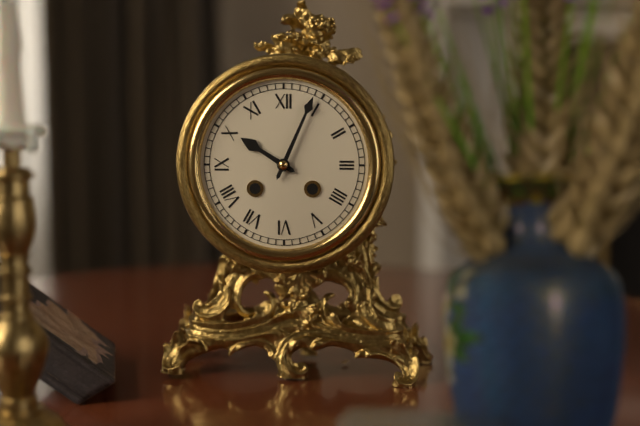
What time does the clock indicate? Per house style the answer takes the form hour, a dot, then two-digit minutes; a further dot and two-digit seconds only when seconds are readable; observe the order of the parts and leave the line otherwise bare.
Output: 10.04
